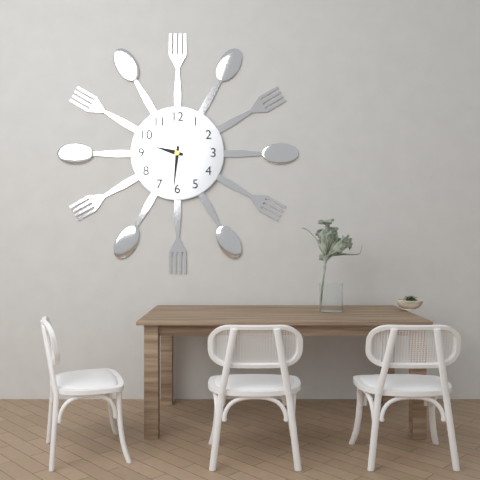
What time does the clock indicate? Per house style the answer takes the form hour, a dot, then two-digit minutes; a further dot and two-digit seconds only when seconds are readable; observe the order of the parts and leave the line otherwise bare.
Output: 9.31
